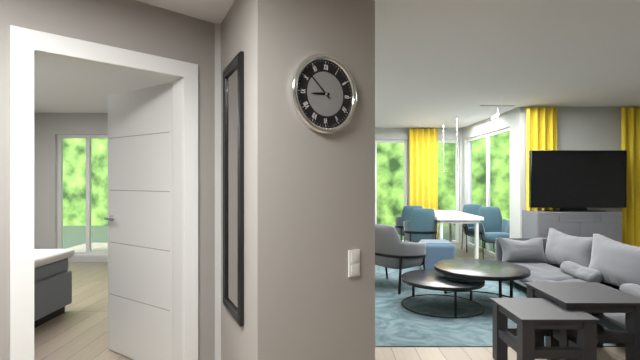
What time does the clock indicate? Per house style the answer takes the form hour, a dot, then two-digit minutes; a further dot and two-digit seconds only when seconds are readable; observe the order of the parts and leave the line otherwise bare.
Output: 8.52
